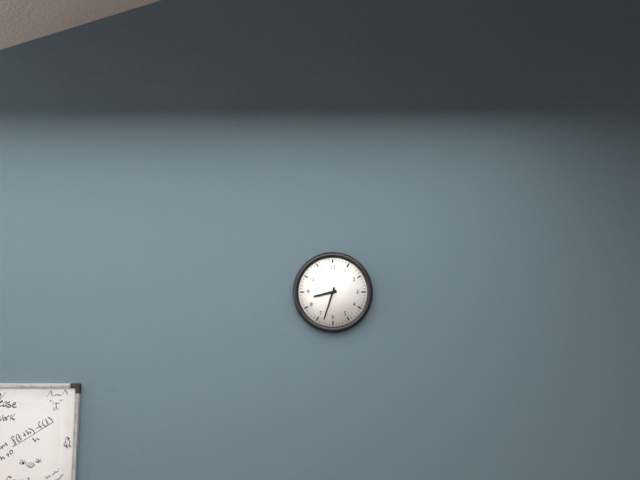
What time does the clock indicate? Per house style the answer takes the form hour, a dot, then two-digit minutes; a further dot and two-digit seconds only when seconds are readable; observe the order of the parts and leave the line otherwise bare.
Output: 8.33
